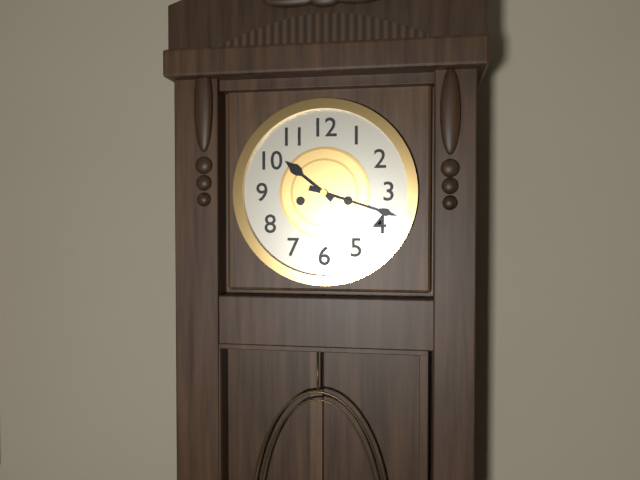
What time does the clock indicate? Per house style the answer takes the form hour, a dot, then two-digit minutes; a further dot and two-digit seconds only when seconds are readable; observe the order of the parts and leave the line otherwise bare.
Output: 10.18
